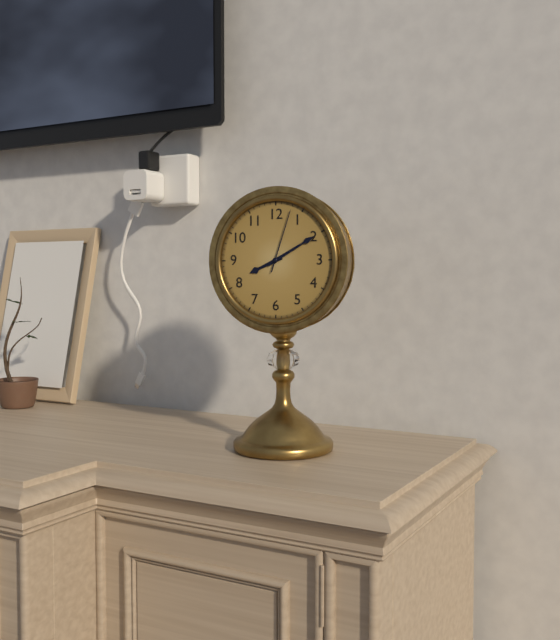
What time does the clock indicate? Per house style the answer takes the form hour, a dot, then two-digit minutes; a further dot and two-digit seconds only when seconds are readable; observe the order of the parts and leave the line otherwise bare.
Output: 8.10.03
